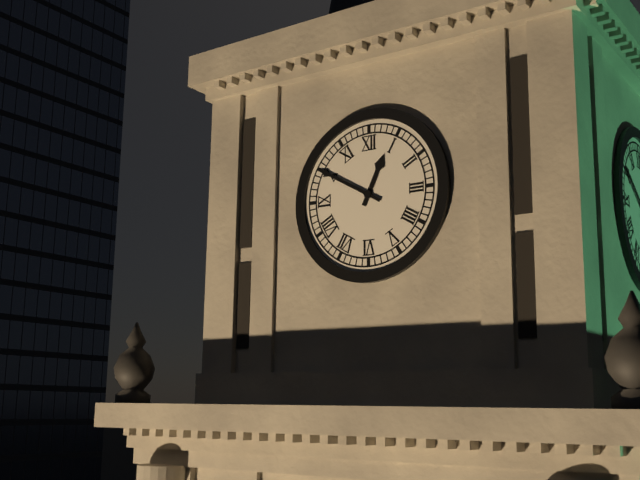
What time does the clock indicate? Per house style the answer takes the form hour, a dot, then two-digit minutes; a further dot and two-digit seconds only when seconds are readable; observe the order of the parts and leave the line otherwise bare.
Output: 12.50
